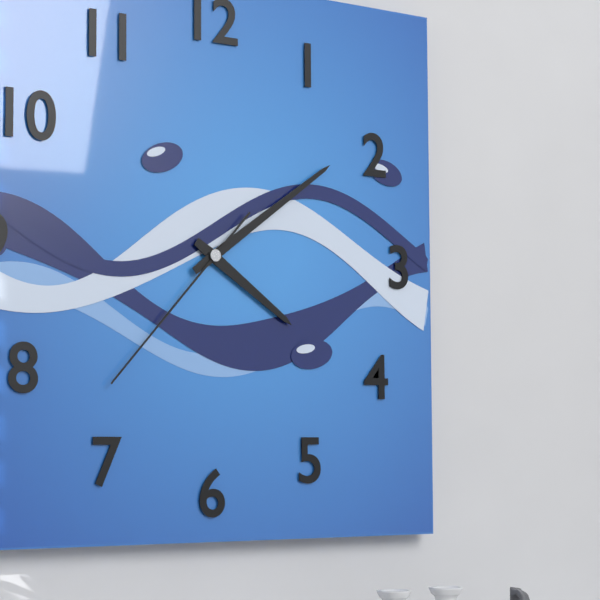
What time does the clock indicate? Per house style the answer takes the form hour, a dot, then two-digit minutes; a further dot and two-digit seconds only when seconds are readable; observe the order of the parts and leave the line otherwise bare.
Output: 4.09.37
